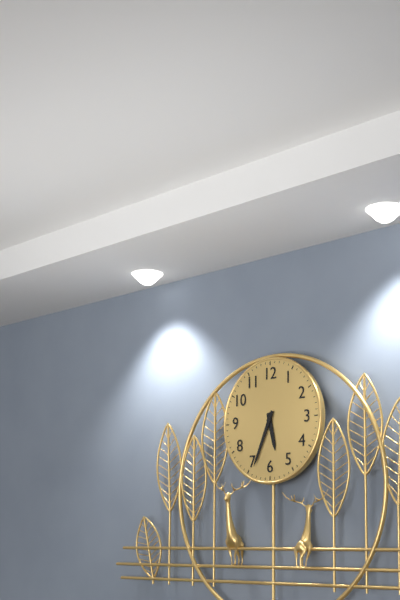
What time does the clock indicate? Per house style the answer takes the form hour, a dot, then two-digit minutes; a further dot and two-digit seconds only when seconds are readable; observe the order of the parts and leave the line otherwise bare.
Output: 5.34
